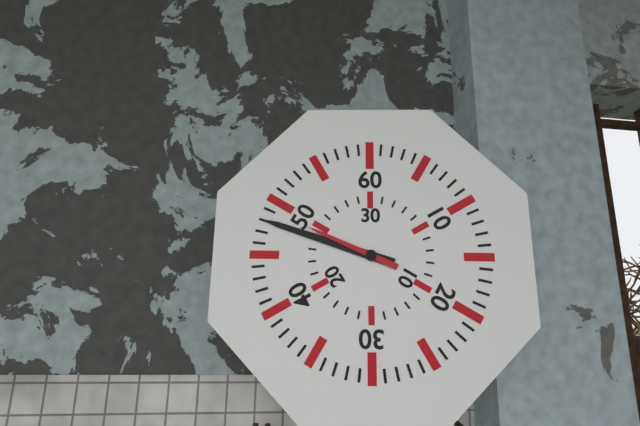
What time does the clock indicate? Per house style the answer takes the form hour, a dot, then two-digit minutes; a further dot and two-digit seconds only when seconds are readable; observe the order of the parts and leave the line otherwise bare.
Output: 9.48
